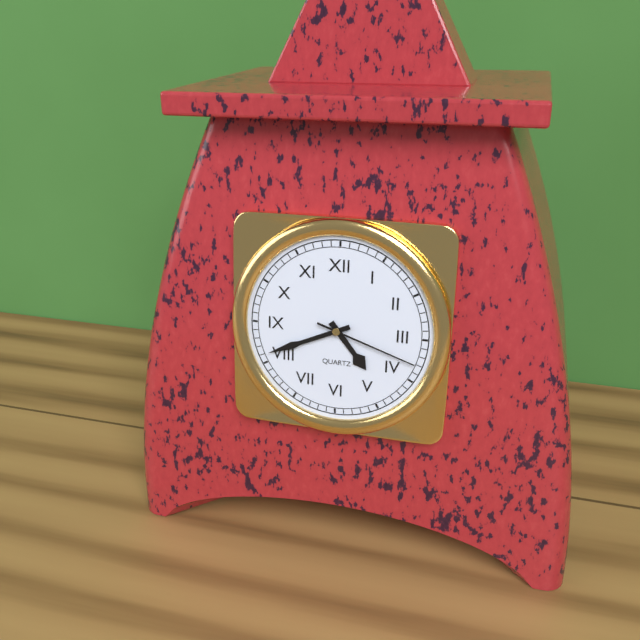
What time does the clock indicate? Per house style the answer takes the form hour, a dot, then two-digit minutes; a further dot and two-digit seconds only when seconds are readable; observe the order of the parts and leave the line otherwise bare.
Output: 4.41.18
